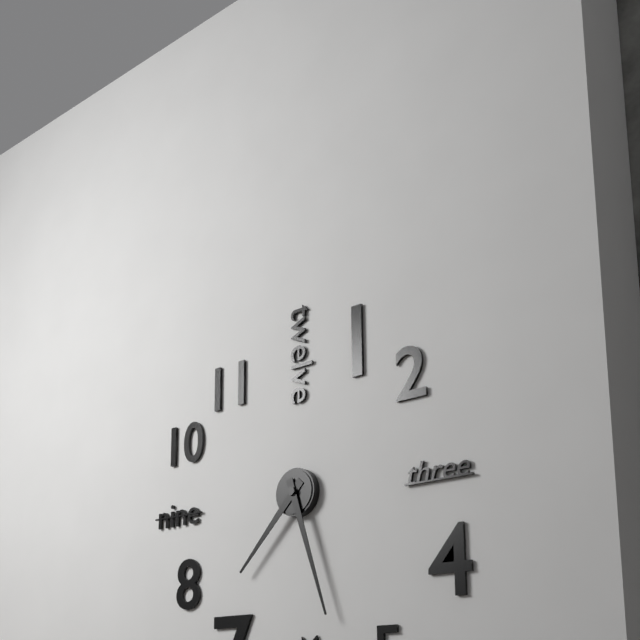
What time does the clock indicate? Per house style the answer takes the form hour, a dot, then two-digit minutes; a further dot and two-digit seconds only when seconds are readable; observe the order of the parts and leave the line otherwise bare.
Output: 7.27
